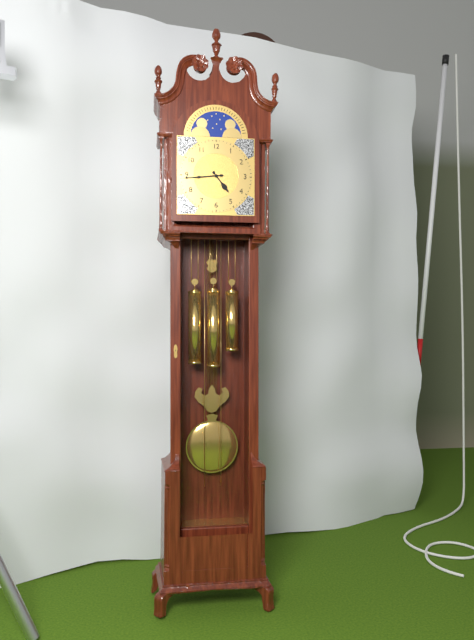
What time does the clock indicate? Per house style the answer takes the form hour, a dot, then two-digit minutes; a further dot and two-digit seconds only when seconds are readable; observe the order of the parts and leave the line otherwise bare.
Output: 4.44
